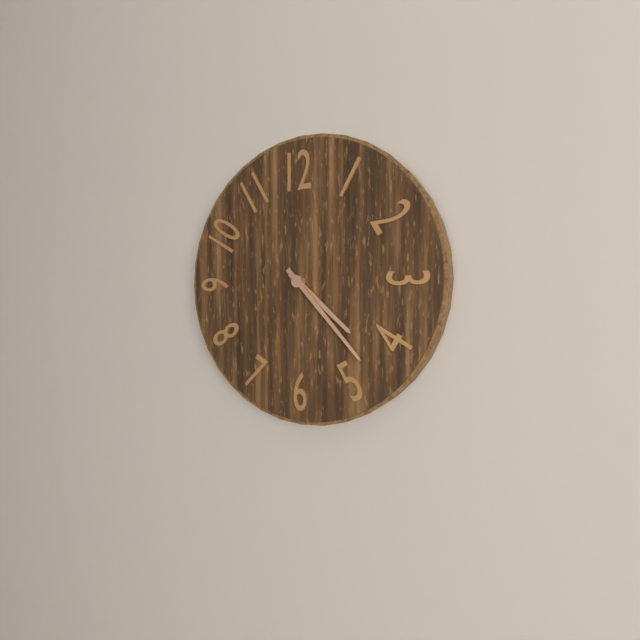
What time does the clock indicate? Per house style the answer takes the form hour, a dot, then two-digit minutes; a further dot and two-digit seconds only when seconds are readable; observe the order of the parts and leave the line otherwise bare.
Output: 4.23
